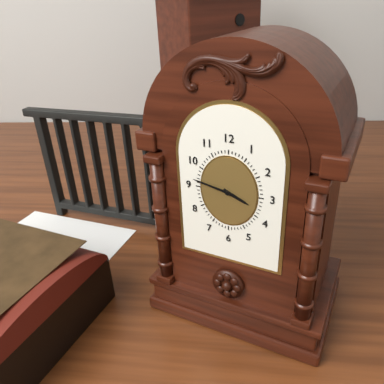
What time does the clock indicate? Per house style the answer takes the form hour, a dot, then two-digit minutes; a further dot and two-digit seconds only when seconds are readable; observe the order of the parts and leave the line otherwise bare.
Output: 3.47
